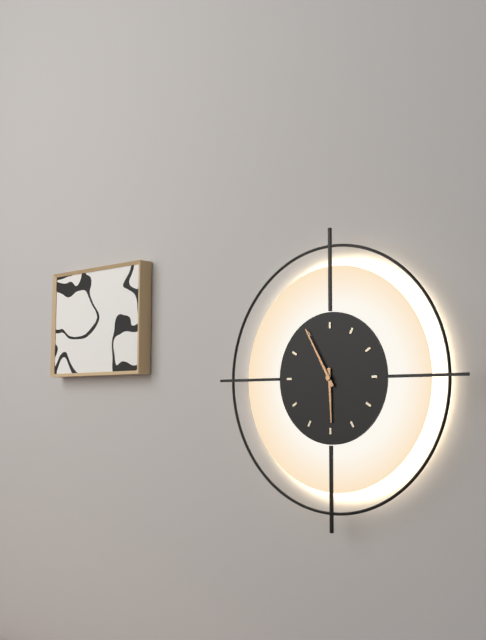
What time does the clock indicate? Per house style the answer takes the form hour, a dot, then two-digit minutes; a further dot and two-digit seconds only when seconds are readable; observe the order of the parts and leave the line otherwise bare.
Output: 5.55
